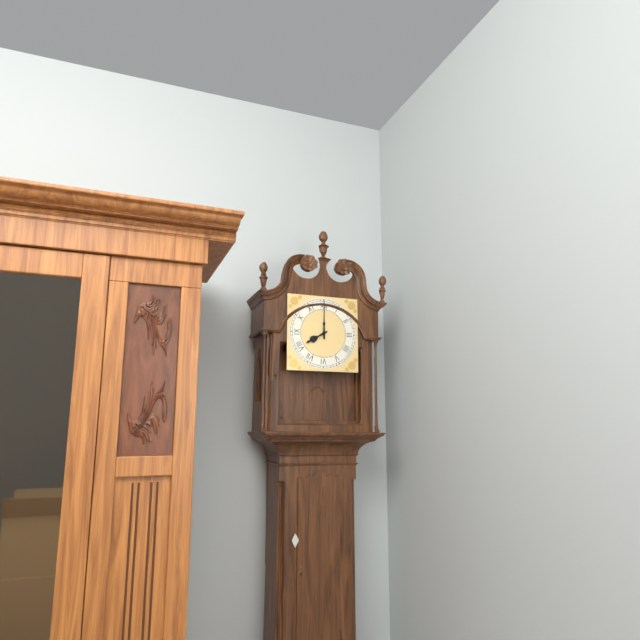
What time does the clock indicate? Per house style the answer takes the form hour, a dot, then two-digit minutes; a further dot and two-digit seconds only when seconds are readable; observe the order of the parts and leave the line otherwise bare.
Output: 8.00
